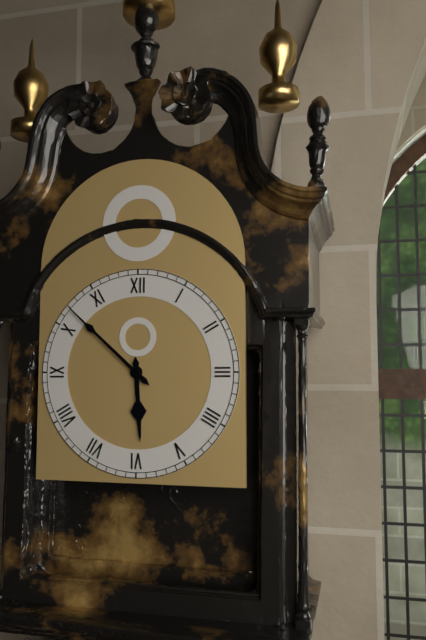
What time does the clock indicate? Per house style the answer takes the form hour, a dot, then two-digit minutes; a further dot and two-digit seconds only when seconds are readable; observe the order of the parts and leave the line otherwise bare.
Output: 5.52
